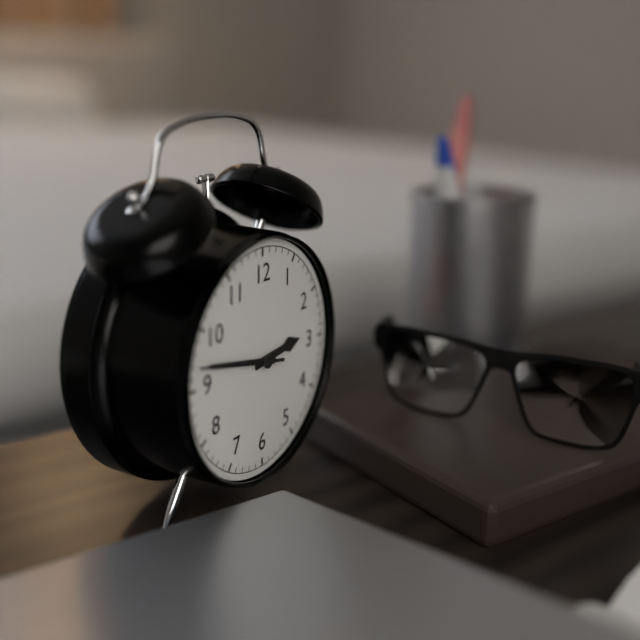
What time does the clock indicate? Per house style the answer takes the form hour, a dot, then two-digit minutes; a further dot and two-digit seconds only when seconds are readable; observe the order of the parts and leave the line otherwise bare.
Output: 2.47.47
